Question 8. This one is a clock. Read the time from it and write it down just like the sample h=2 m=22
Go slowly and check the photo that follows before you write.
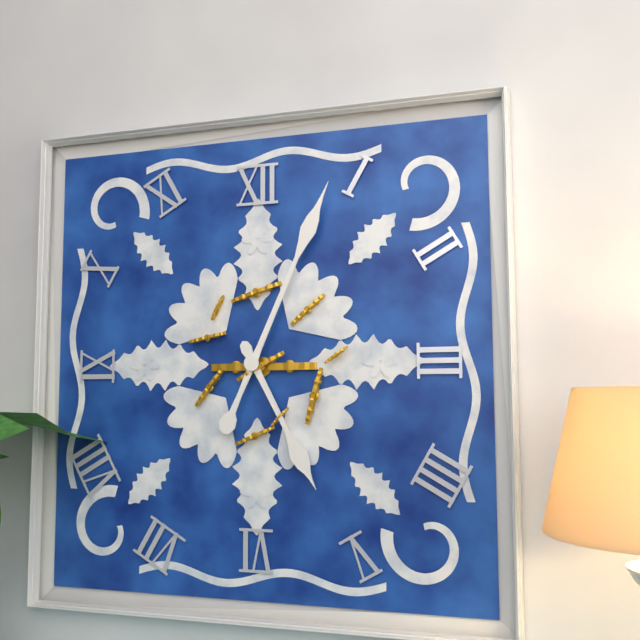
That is h=5 m=4
